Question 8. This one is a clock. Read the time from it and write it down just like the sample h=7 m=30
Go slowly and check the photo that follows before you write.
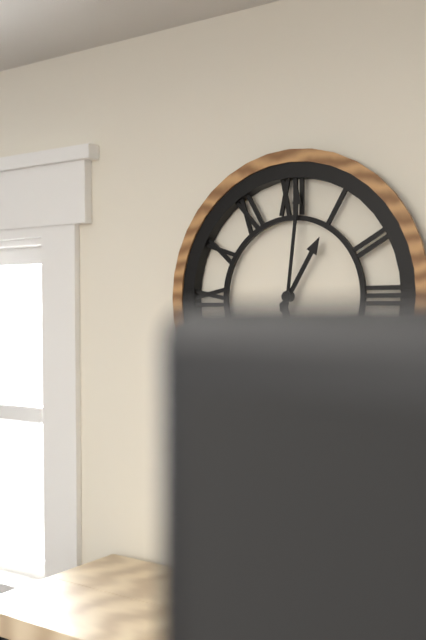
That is h=1 m=1
